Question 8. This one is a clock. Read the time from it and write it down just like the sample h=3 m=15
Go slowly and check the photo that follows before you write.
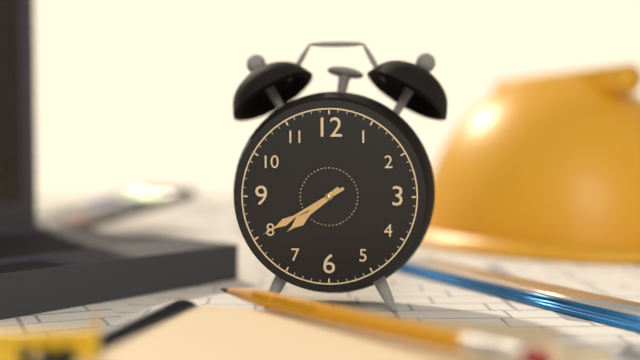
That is h=7 m=40
